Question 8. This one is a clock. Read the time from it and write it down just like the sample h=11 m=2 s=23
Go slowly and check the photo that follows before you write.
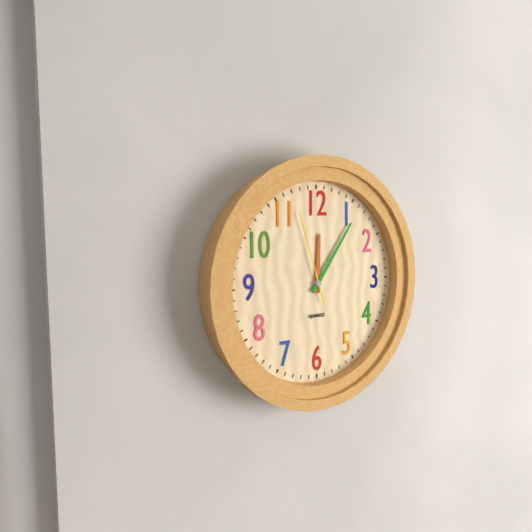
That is h=12 m=6 s=57
